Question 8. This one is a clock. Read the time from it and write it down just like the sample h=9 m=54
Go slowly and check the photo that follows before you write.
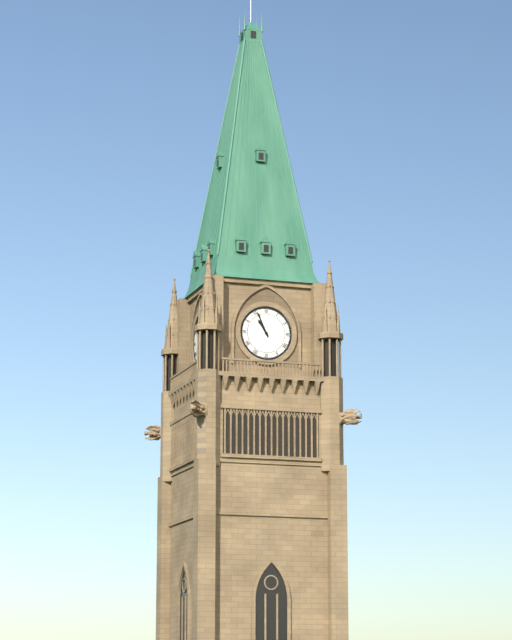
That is h=10 m=56
